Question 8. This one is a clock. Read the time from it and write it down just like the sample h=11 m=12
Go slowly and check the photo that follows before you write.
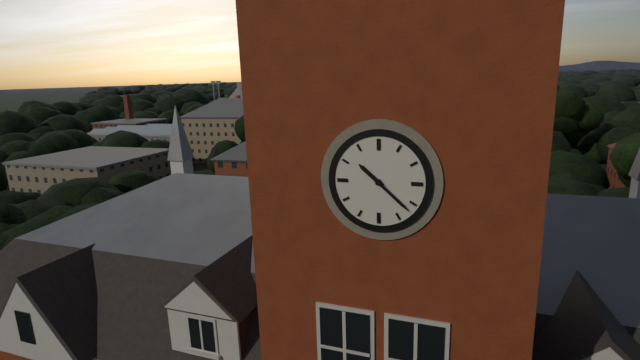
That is h=10 m=22
